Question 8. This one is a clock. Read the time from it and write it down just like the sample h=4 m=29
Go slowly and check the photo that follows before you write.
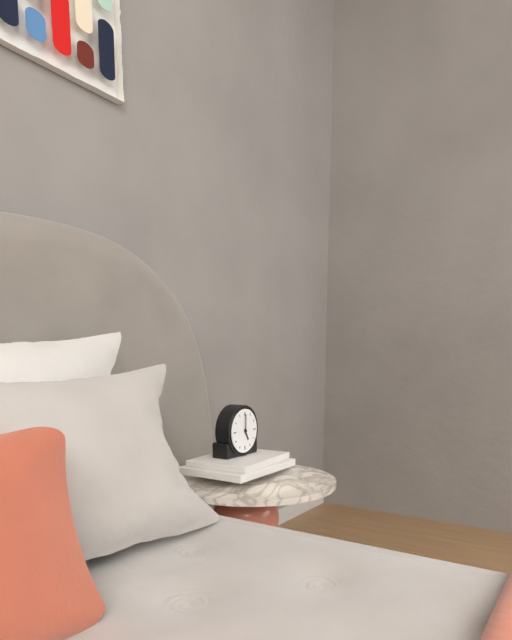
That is h=5 m=0
